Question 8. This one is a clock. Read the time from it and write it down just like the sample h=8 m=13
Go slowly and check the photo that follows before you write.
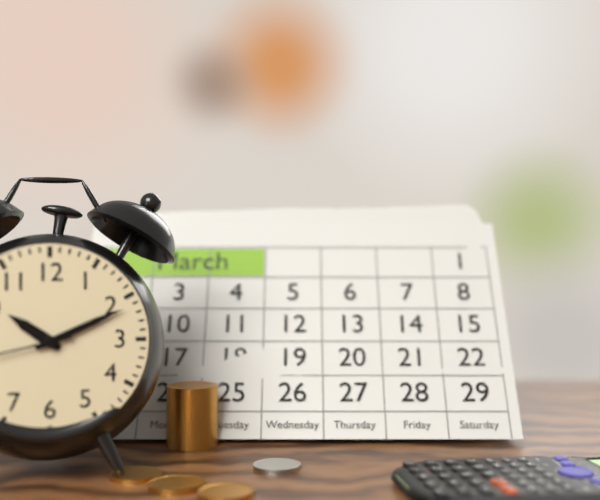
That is h=10 m=11
